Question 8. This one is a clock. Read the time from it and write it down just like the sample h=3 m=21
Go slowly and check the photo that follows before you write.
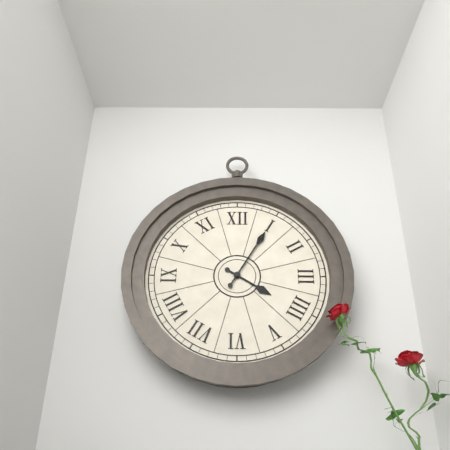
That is h=4 m=5
